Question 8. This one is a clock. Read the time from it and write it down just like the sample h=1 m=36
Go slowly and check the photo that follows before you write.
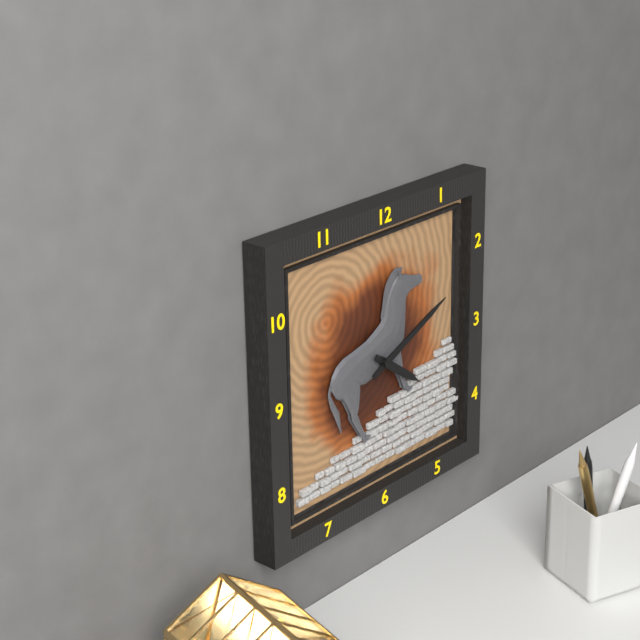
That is h=4 m=11
